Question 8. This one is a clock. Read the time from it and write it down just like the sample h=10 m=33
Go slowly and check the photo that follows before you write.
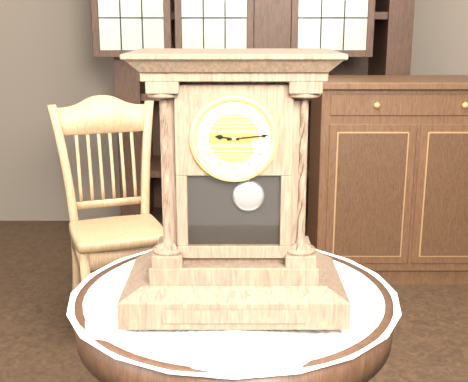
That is h=9 m=14
